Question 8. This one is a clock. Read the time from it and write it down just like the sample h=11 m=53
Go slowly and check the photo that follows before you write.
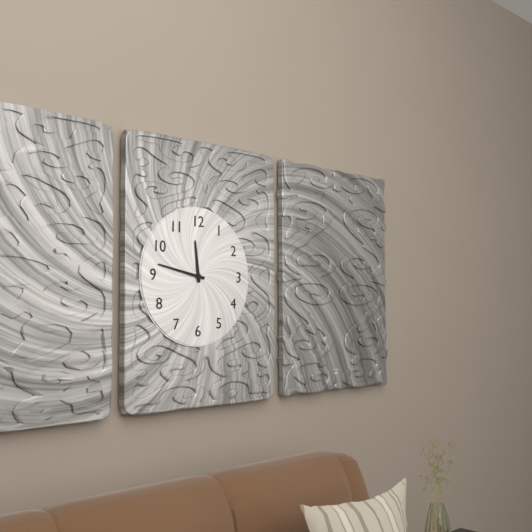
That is h=11 m=47
